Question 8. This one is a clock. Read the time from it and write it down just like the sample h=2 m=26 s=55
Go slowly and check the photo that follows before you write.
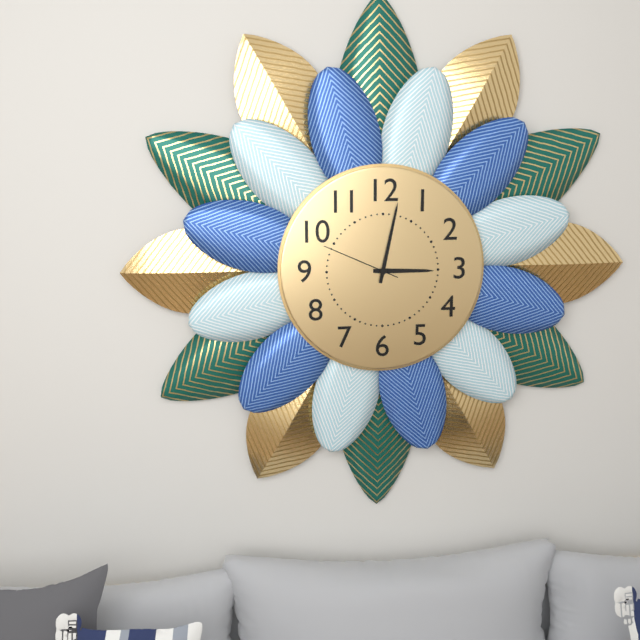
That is h=3 m=2 s=49
